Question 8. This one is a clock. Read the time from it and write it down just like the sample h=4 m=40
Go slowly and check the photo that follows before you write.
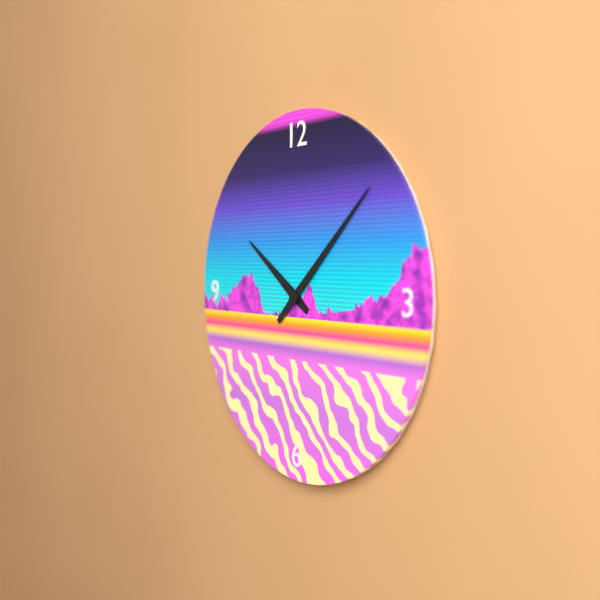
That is h=10 m=8
